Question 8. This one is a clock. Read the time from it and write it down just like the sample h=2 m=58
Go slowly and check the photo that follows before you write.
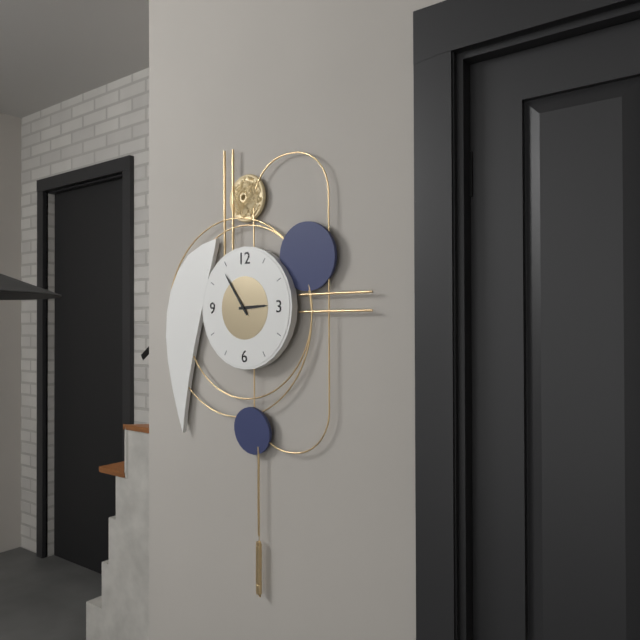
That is h=2 m=54
